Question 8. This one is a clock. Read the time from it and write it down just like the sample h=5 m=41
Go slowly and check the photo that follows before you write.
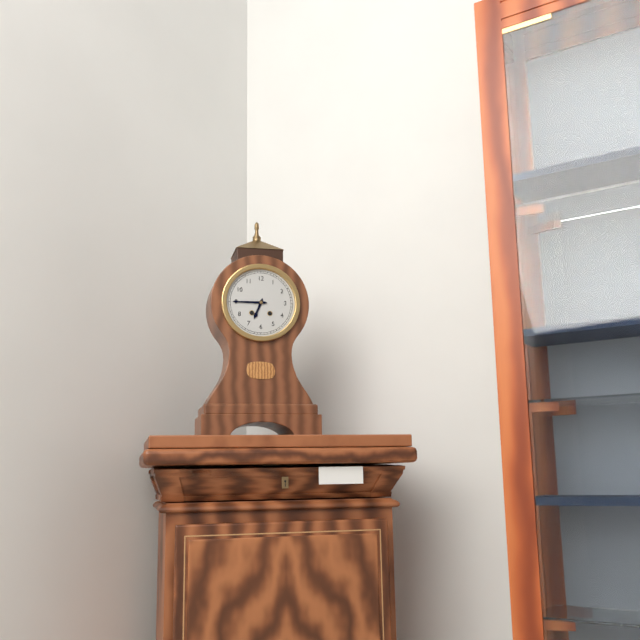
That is h=6 m=45
